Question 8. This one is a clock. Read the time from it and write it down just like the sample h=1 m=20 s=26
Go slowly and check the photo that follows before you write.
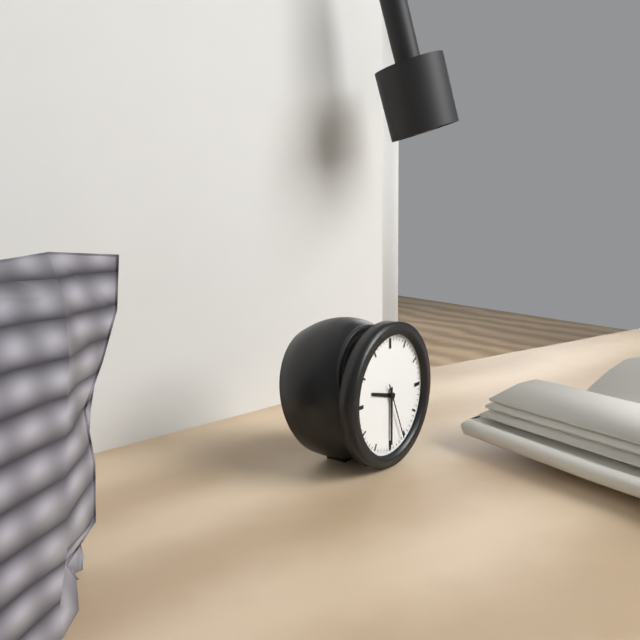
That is h=9 m=30 s=26
